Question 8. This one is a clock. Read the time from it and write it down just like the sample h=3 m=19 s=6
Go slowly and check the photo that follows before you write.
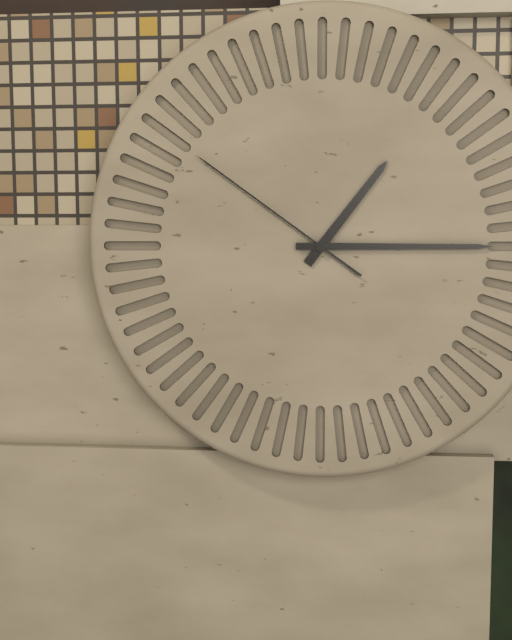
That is h=1 m=15 s=51
